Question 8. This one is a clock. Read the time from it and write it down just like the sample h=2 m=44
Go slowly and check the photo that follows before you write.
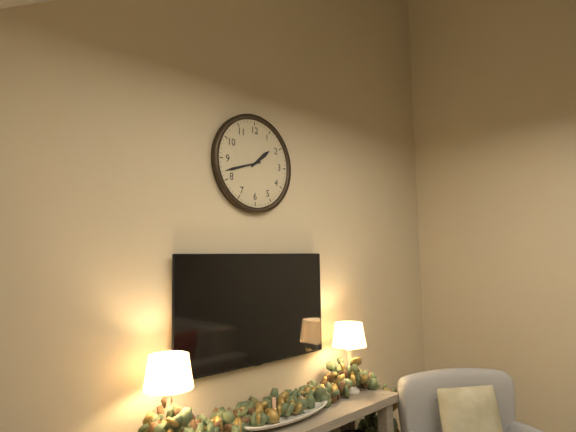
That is h=1 m=42
